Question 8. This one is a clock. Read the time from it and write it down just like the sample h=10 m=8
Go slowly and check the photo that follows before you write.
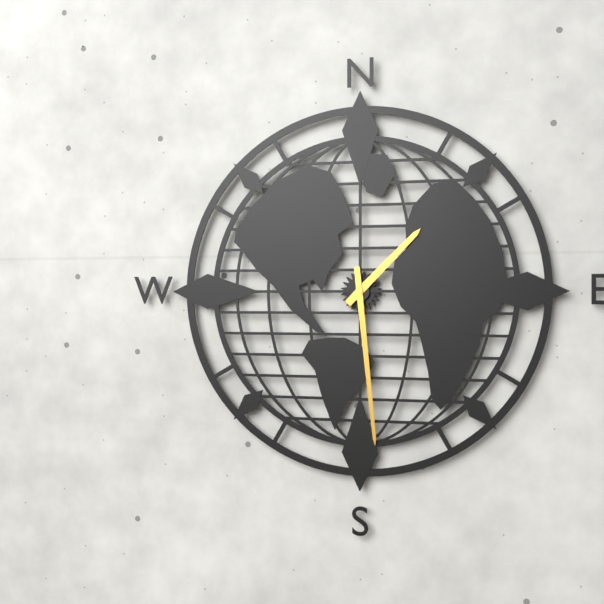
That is h=1 m=29
